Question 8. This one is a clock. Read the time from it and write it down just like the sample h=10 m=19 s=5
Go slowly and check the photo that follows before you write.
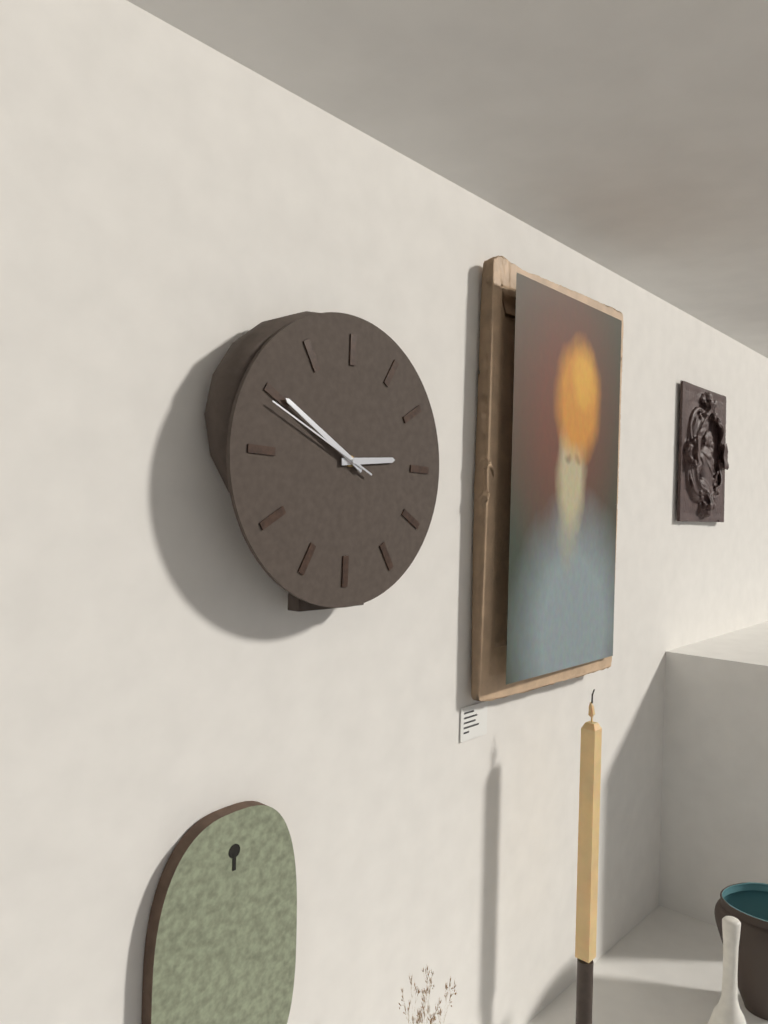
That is h=2 m=50 s=49
